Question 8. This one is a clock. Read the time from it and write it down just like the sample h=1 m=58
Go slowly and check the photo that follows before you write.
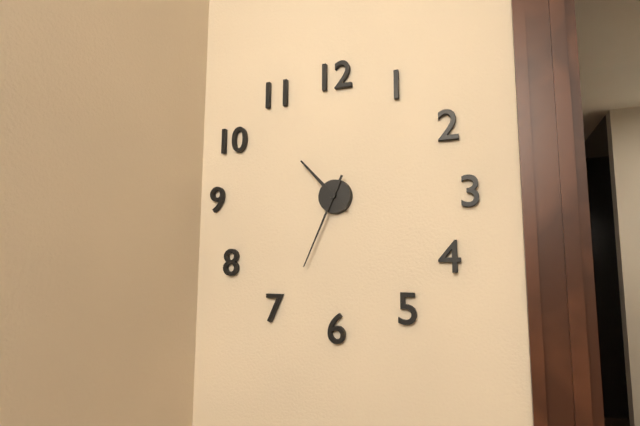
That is h=10 m=34
